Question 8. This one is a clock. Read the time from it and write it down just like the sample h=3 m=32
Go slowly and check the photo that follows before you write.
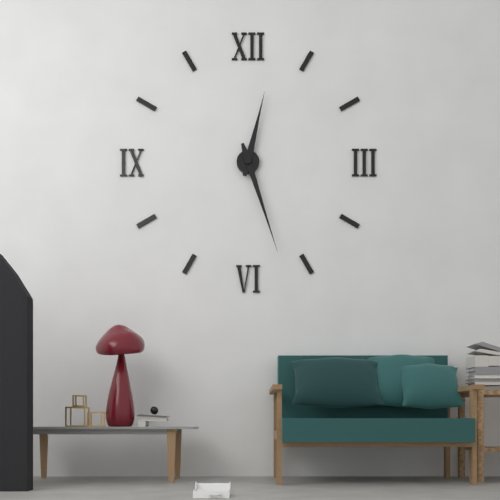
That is h=12 m=27
